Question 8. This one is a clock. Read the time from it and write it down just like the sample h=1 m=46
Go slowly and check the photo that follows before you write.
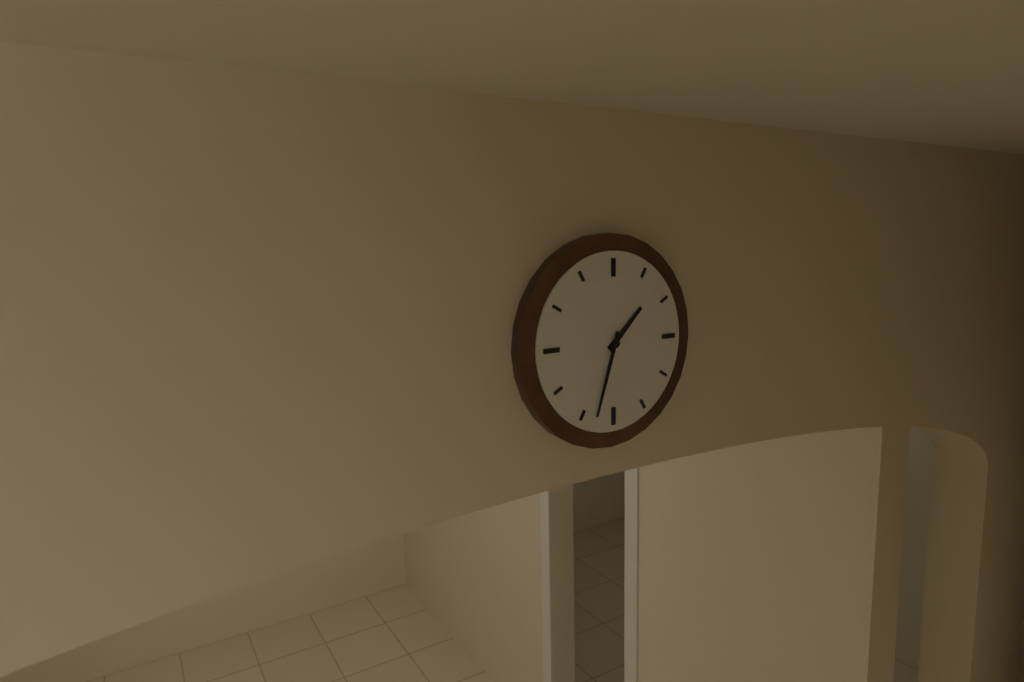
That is h=1 m=33
